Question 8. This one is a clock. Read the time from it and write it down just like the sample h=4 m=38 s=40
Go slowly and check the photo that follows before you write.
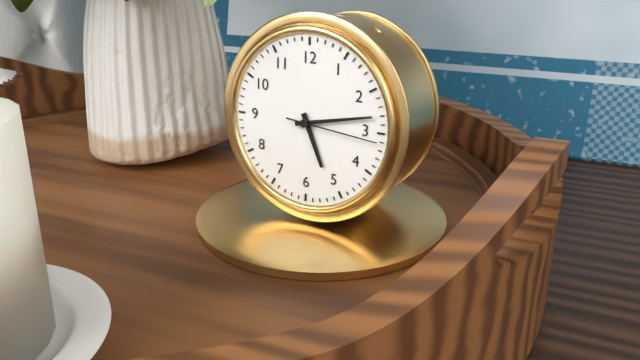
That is h=5 m=13 s=16
